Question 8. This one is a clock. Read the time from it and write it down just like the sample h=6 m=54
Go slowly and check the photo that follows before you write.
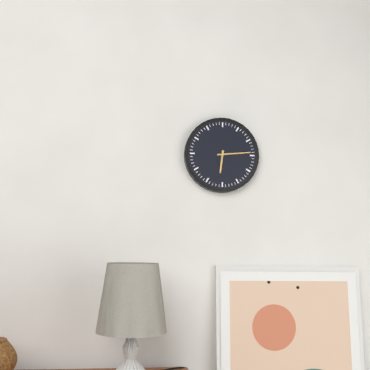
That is h=6 m=14
